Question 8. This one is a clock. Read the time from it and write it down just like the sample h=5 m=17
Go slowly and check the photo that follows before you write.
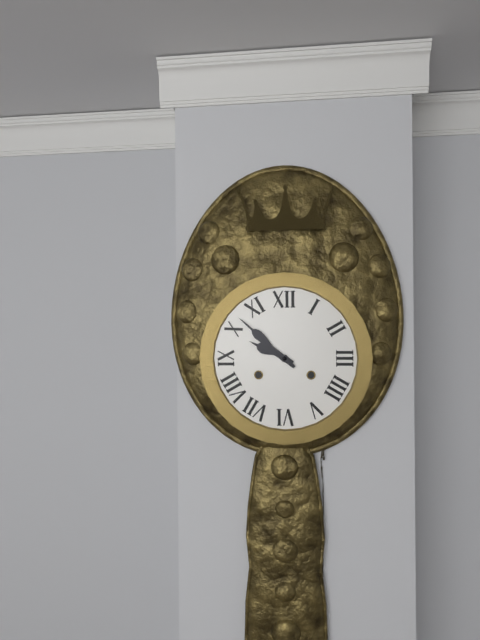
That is h=9 m=52
